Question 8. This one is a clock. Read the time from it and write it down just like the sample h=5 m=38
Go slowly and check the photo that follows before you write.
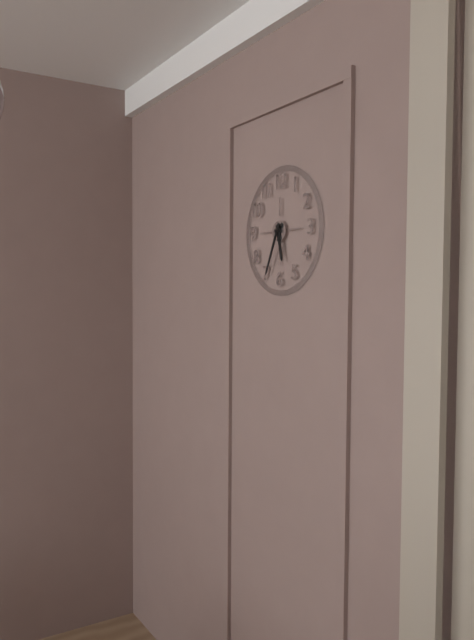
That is h=5 m=34
